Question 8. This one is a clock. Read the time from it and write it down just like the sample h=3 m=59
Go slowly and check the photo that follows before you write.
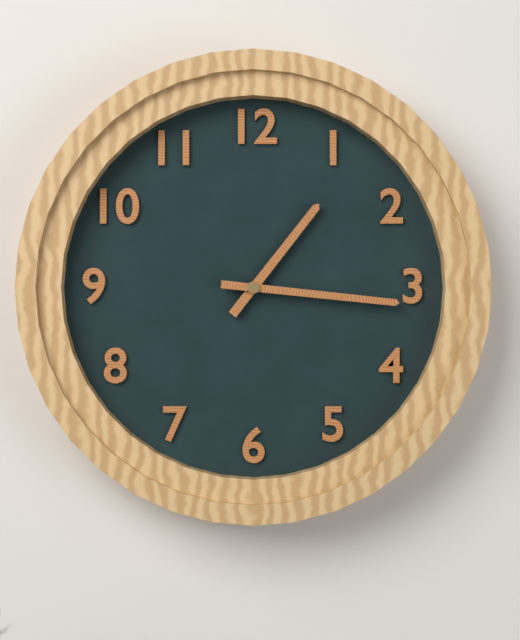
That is h=1 m=16
